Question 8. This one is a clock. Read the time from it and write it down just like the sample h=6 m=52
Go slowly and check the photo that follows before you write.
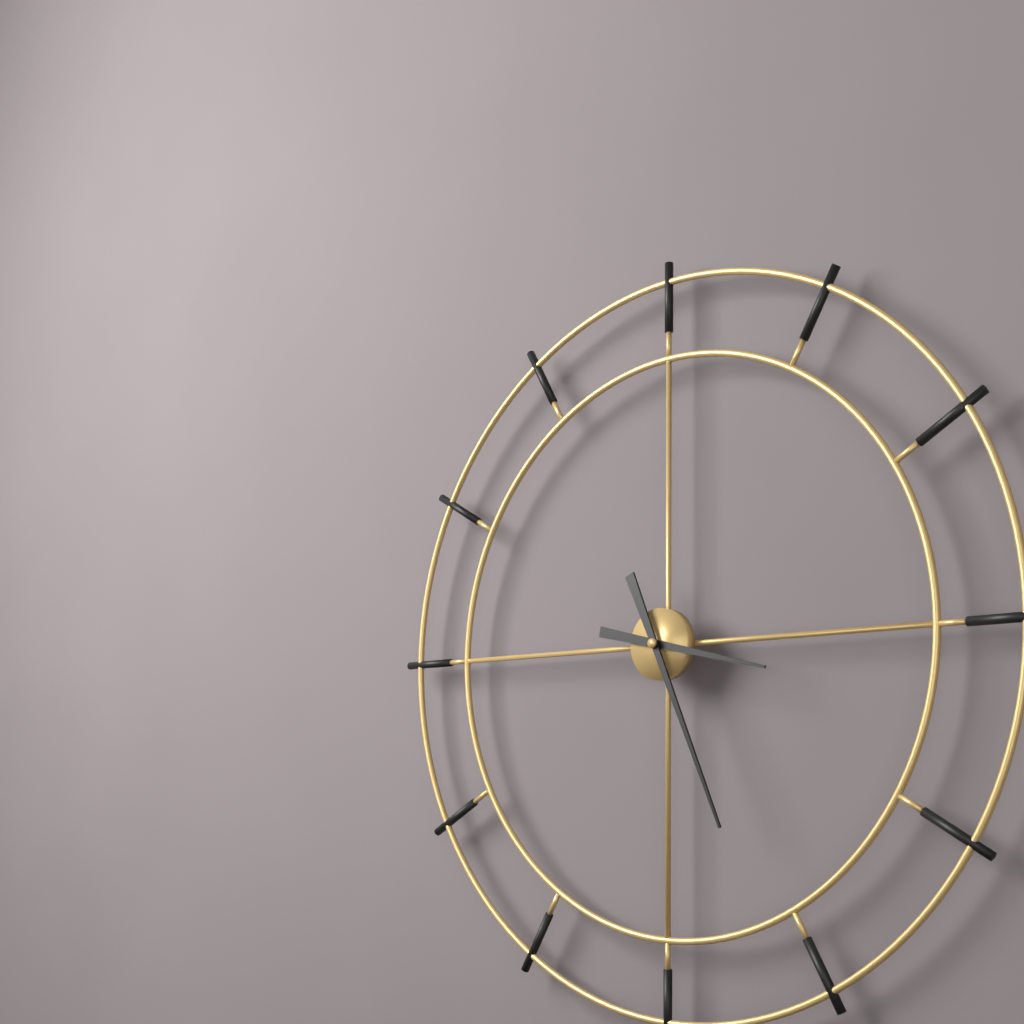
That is h=3 m=26
